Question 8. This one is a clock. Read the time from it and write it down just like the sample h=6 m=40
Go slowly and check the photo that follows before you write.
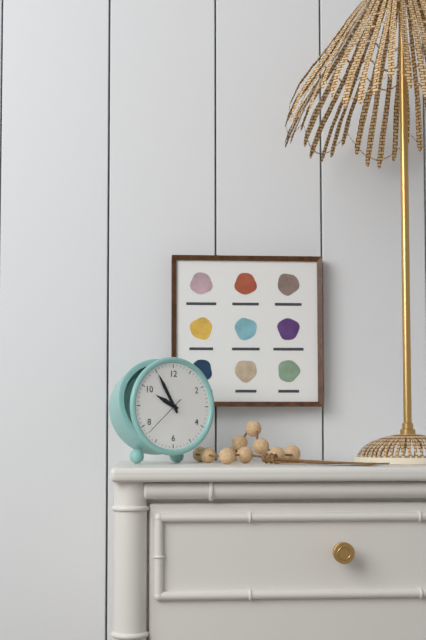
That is h=9 m=55
